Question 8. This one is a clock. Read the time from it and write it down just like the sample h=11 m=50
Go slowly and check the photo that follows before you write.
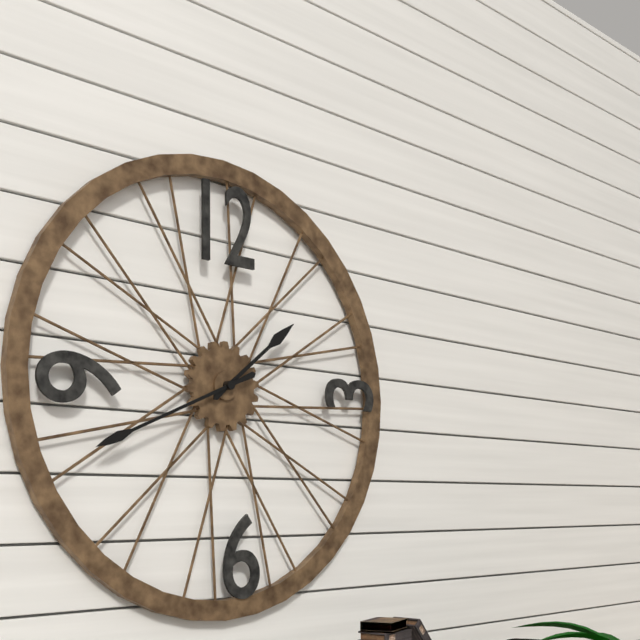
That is h=1 m=41
